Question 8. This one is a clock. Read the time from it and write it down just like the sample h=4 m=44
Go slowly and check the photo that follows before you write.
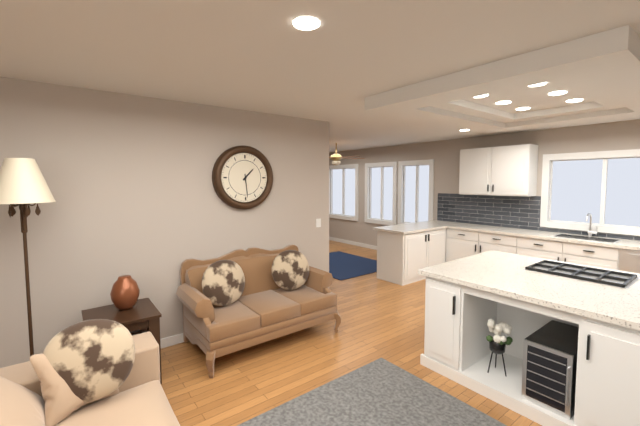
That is h=1 m=29
